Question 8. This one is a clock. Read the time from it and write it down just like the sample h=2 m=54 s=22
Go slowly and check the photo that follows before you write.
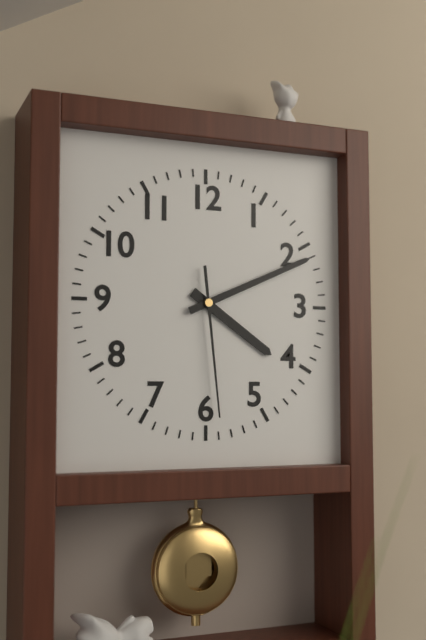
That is h=4 m=11 s=29
